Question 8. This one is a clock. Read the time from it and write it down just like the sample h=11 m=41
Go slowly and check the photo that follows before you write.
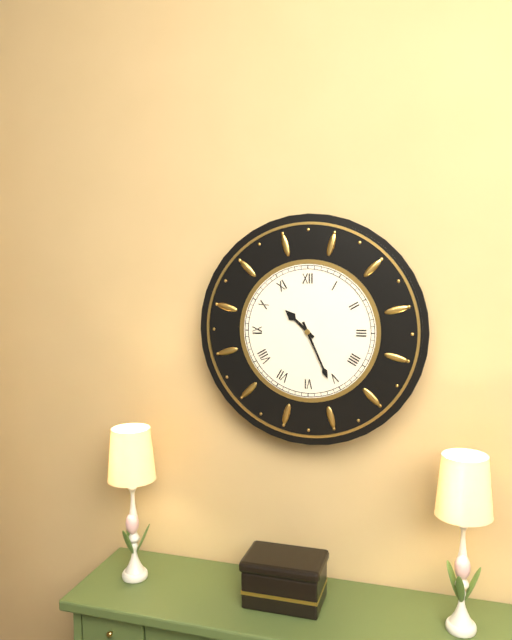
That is h=10 m=26
